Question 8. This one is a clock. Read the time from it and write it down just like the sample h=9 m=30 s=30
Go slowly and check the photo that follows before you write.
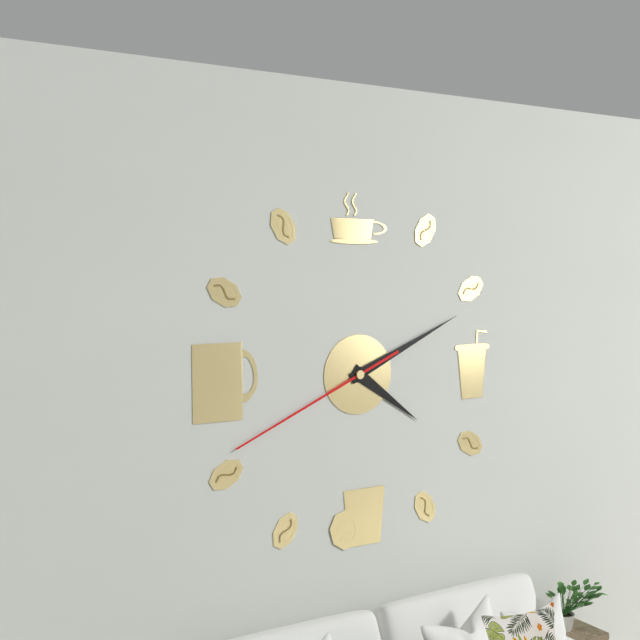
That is h=4 m=11 s=41
